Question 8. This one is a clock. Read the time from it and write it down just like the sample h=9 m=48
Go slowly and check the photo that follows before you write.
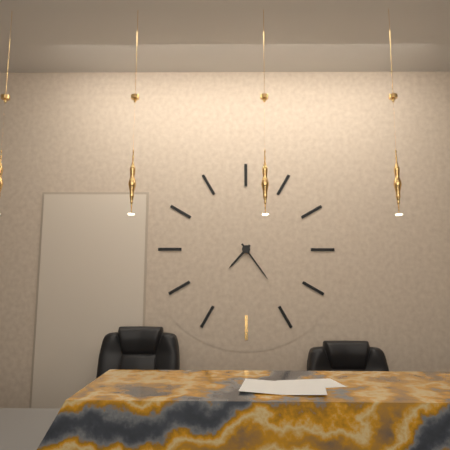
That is h=7 m=24
